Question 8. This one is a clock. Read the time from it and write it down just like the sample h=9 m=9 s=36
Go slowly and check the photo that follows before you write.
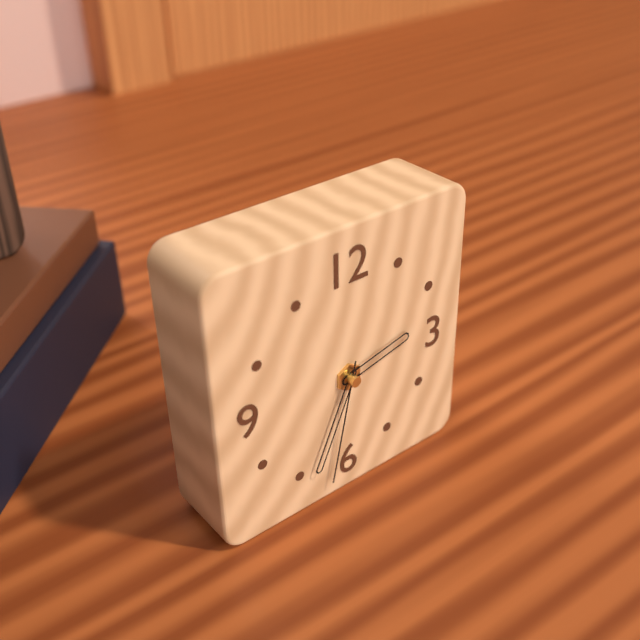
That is h=2 m=34 s=32
